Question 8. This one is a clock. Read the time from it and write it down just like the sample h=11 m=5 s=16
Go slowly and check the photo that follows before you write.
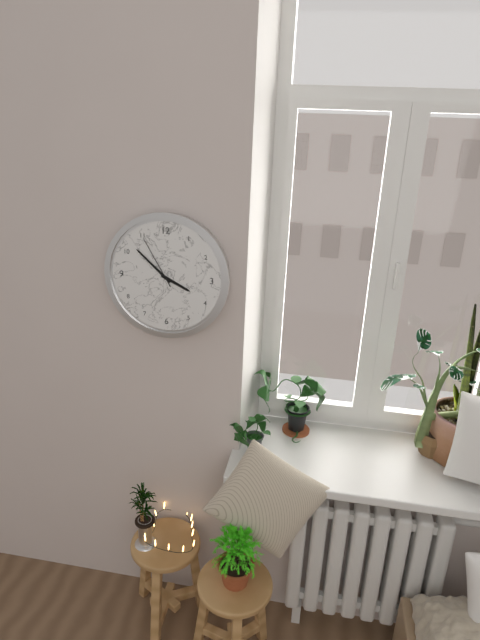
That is h=3 m=52 s=55
